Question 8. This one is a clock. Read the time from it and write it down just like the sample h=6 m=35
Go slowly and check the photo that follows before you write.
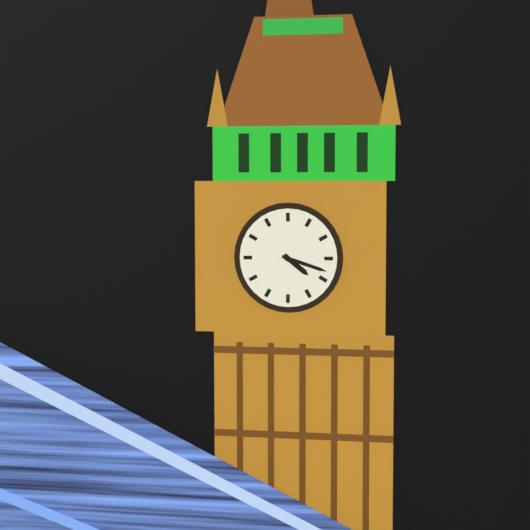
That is h=4 m=18
